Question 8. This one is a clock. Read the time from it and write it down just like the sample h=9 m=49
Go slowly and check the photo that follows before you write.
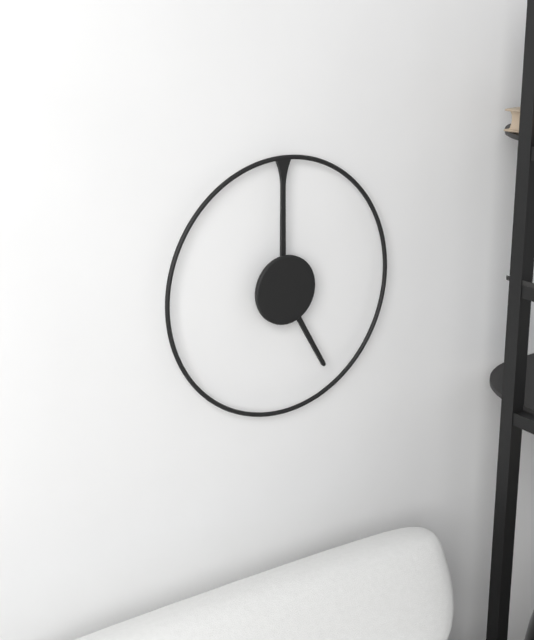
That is h=5 m=0
